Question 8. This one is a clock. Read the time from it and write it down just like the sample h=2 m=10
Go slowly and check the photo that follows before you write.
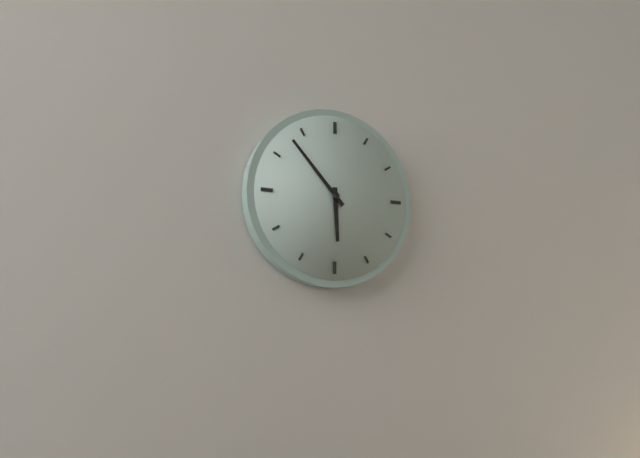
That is h=5 m=53
